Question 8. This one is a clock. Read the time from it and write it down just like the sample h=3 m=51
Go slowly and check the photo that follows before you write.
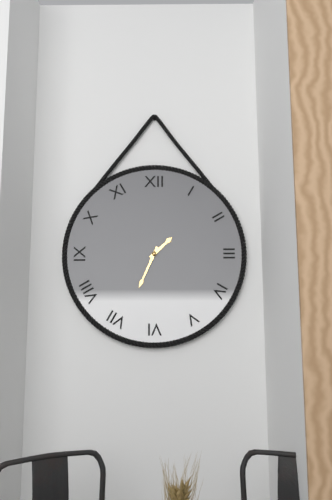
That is h=1 m=34
